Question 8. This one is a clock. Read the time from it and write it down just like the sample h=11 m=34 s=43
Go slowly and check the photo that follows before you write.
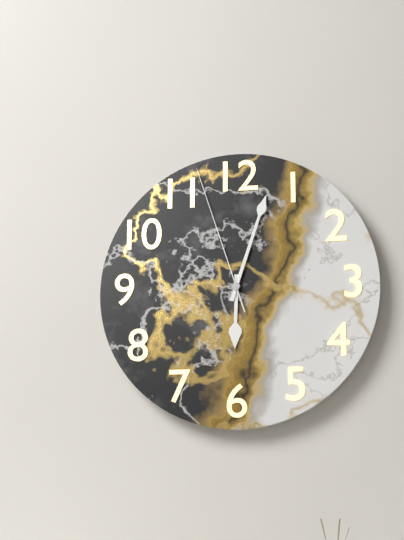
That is h=6 m=3 s=57
